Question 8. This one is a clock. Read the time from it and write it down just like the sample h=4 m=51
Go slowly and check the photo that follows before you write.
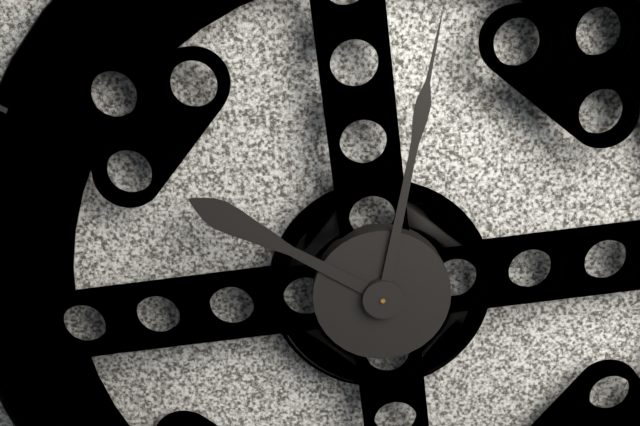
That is h=10 m=2
